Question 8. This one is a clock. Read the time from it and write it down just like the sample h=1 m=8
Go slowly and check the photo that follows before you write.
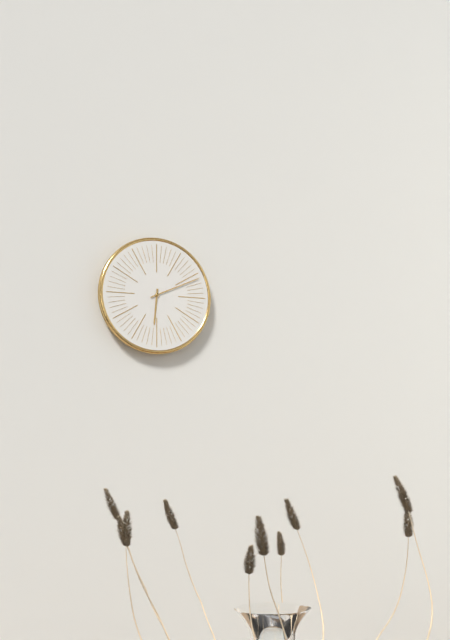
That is h=6 m=11
